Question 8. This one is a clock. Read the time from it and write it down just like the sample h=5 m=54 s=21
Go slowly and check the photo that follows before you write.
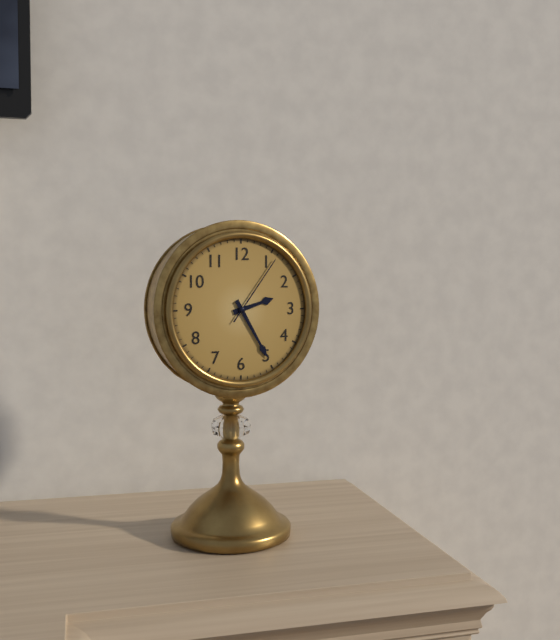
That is h=2 m=25 s=6
